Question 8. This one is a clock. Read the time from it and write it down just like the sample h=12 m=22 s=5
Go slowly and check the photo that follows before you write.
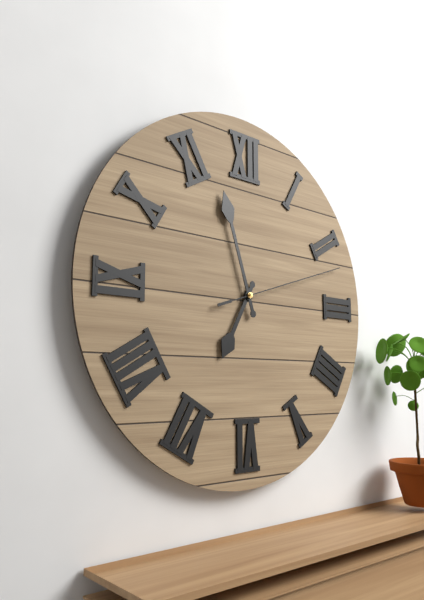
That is h=6 m=57 s=12
